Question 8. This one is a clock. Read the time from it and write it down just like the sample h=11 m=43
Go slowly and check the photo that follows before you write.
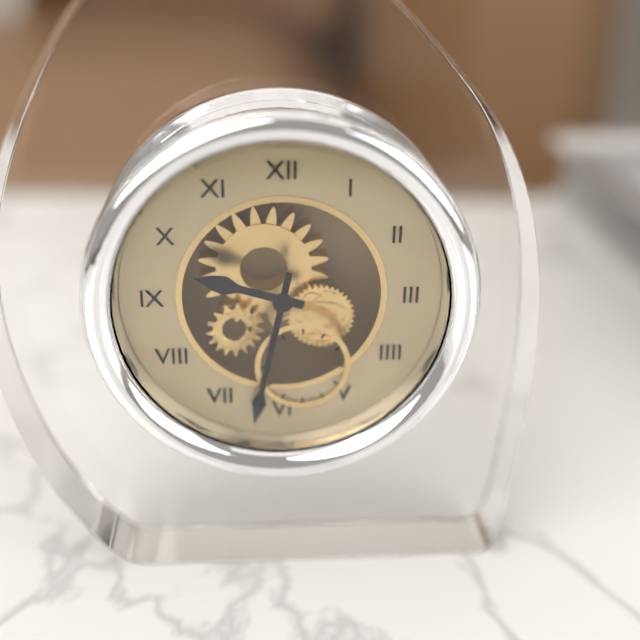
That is h=9 m=32
